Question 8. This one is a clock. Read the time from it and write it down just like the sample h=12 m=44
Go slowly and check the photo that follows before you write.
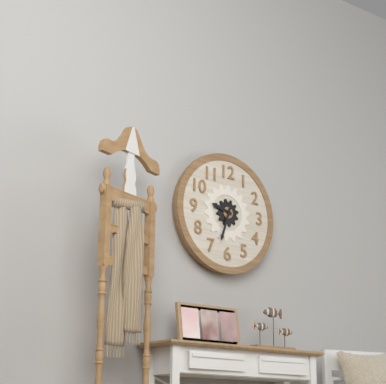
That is h=9 m=33
